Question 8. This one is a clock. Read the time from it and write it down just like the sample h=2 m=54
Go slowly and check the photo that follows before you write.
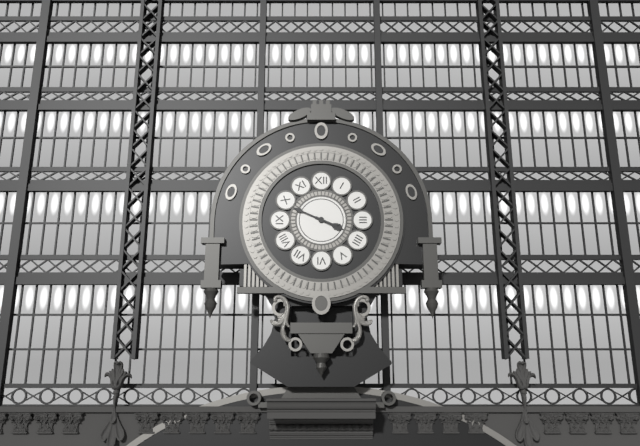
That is h=3 m=49
